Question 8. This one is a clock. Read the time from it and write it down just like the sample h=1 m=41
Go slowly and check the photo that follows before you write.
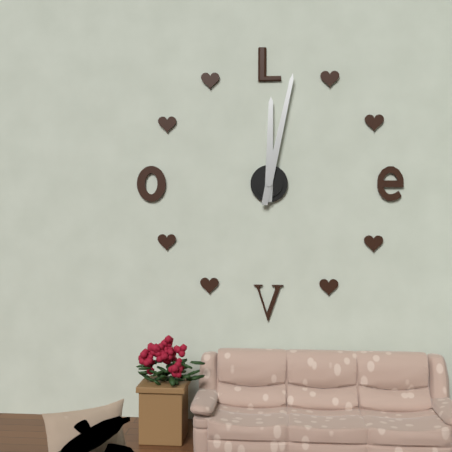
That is h=12 m=2
